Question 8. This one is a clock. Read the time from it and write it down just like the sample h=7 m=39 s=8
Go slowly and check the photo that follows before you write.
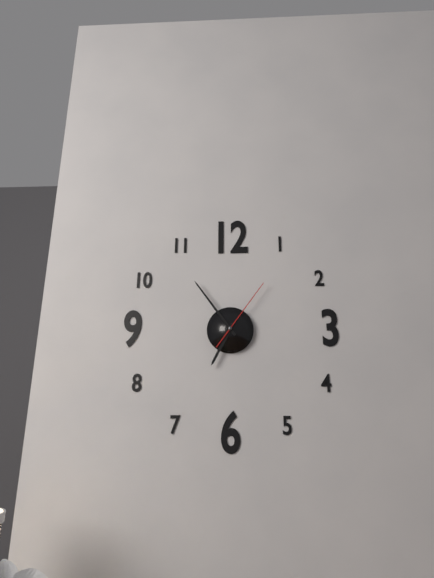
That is h=6 m=54 s=6
